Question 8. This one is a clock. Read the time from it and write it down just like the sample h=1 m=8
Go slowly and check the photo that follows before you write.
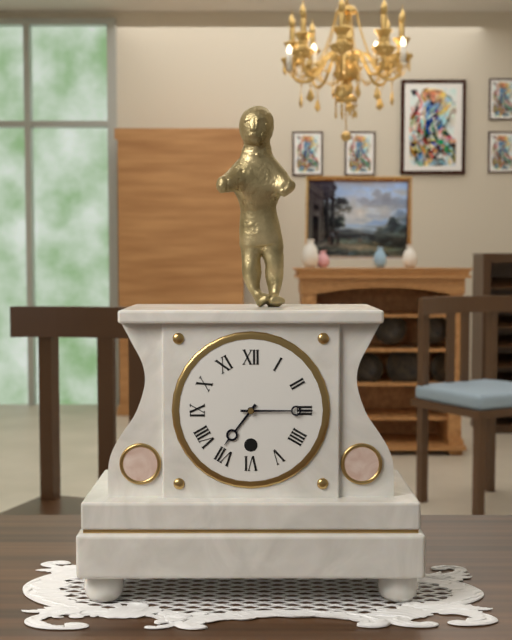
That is h=7 m=15
